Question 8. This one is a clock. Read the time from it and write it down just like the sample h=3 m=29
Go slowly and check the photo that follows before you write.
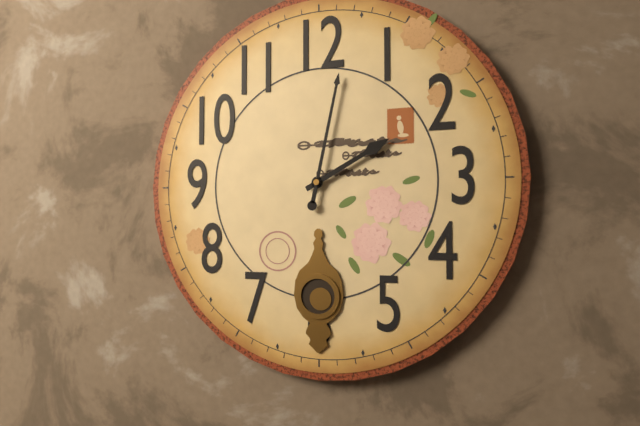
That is h=2 m=2
